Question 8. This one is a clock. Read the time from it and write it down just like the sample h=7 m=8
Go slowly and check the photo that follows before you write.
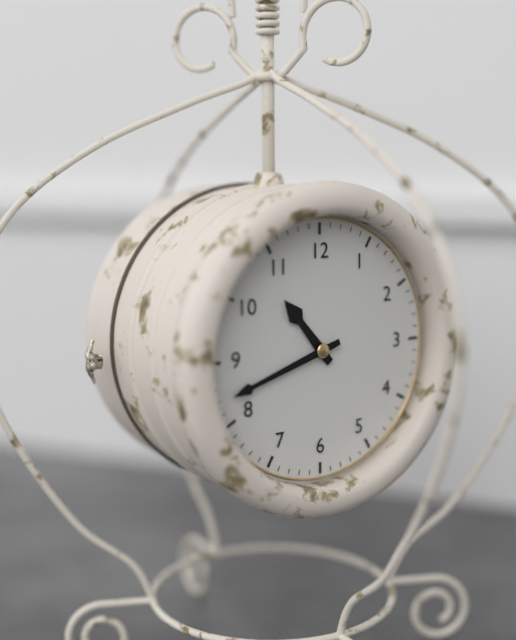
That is h=10 m=42
